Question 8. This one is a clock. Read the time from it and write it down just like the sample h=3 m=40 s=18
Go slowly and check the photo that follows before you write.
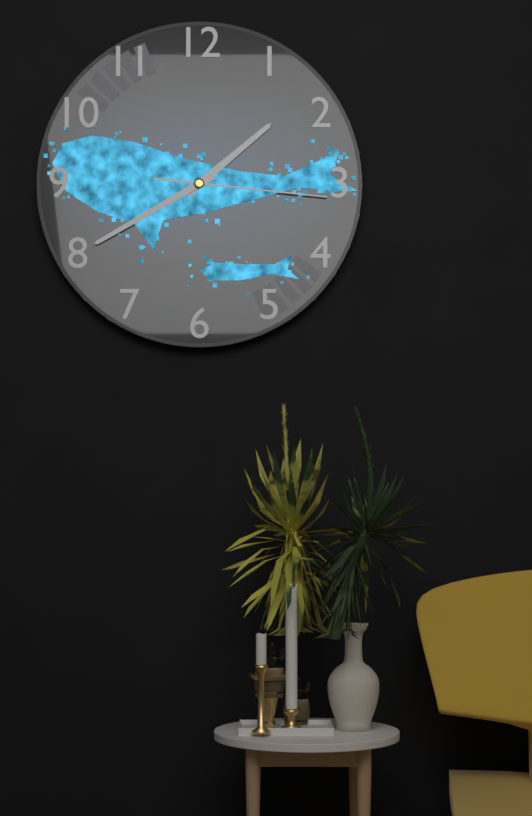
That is h=1 m=40 s=16
